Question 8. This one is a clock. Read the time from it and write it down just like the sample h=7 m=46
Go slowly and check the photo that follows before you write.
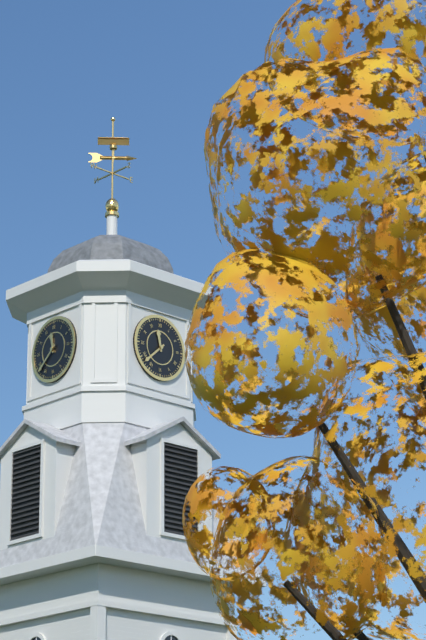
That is h=11 m=38
